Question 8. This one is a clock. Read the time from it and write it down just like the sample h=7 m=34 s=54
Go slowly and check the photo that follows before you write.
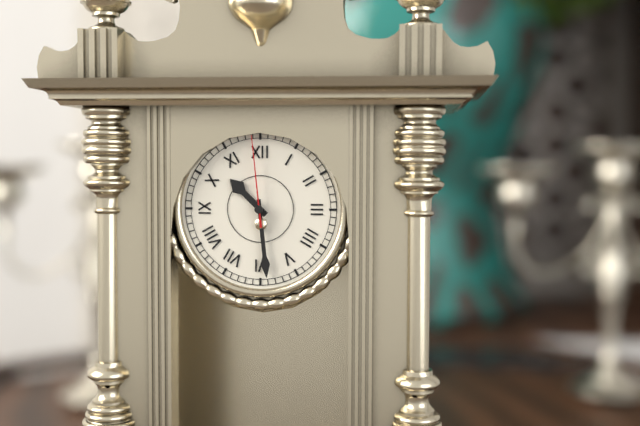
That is h=10 m=29 s=59
